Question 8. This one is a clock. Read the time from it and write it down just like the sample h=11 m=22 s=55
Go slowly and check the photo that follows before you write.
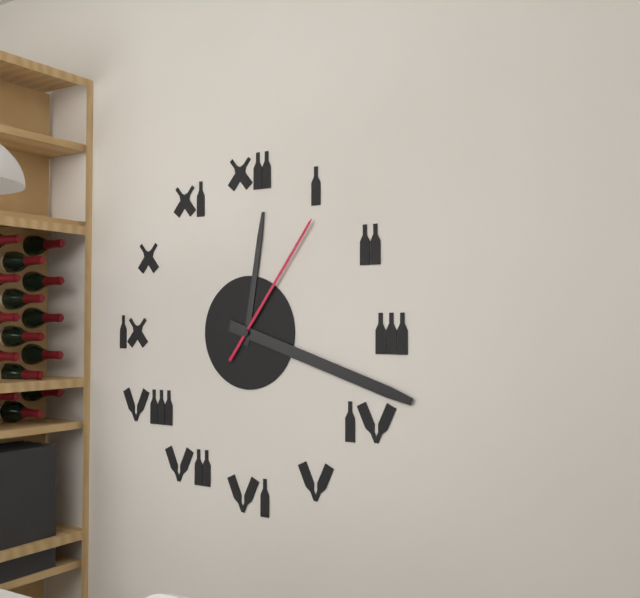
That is h=12 m=18 s=6
